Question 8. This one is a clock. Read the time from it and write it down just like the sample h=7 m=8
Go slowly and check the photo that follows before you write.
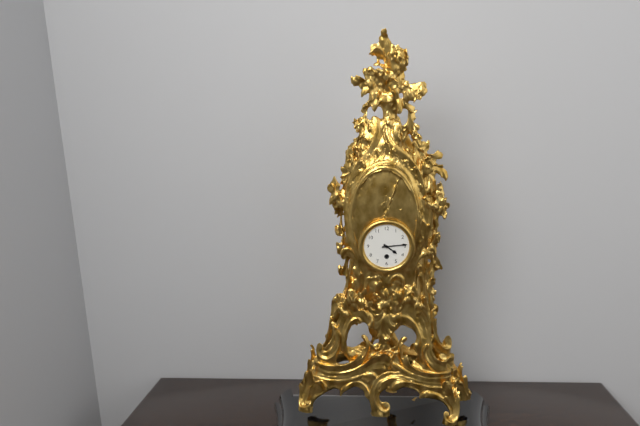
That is h=4 m=14
